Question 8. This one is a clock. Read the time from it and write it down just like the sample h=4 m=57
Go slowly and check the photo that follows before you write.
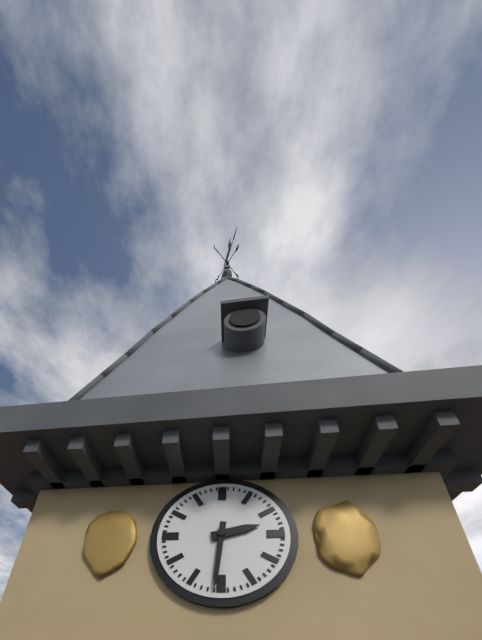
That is h=2 m=31
